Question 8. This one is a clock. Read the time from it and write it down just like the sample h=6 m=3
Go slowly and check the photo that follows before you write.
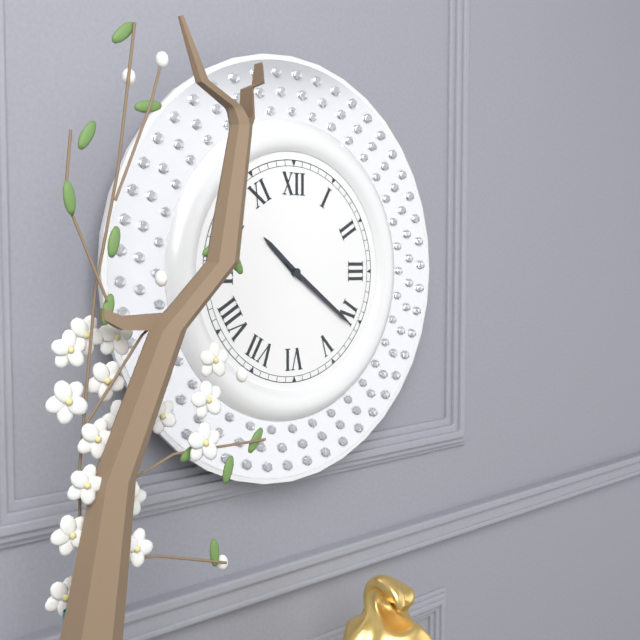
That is h=10 m=21
